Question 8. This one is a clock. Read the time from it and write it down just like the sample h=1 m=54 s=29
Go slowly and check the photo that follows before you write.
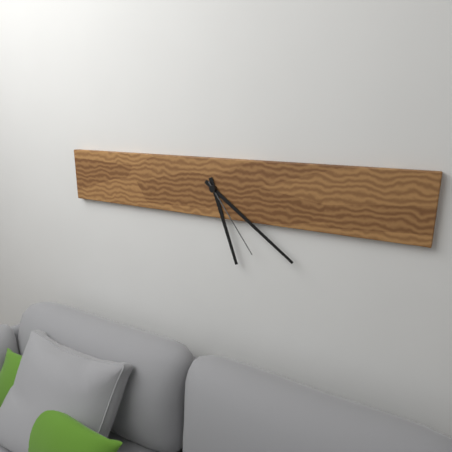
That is h=5 m=21 s=24
